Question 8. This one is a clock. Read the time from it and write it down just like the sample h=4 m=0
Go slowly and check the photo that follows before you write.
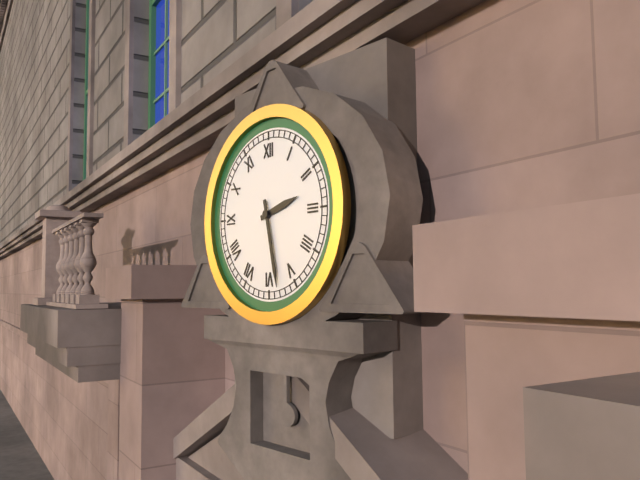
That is h=2 m=28
